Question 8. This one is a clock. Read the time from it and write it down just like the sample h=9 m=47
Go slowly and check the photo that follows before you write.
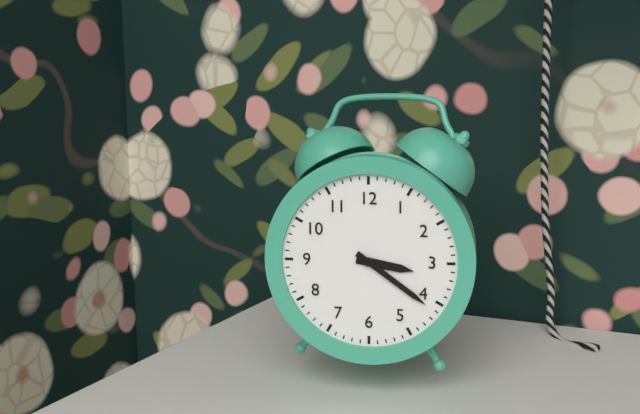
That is h=3 m=21
